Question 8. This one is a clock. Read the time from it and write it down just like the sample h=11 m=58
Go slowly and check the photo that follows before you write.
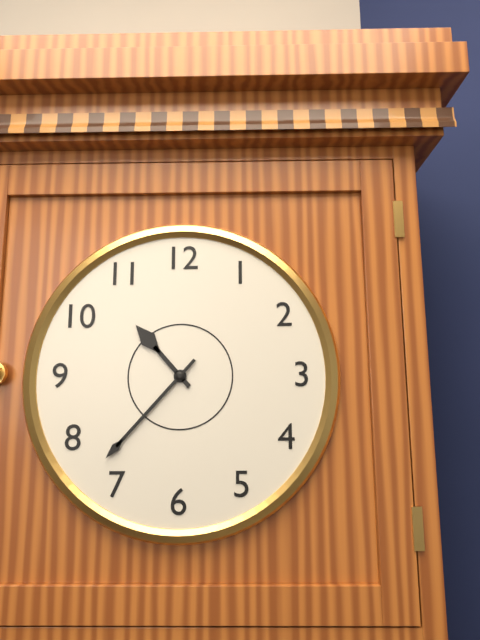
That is h=10 m=37
